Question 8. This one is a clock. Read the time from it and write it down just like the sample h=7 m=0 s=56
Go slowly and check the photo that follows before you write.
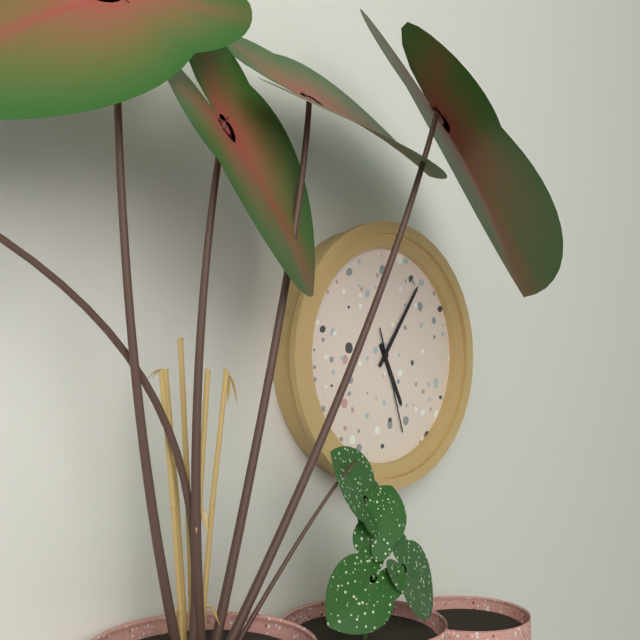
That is h=5 m=6 s=27
